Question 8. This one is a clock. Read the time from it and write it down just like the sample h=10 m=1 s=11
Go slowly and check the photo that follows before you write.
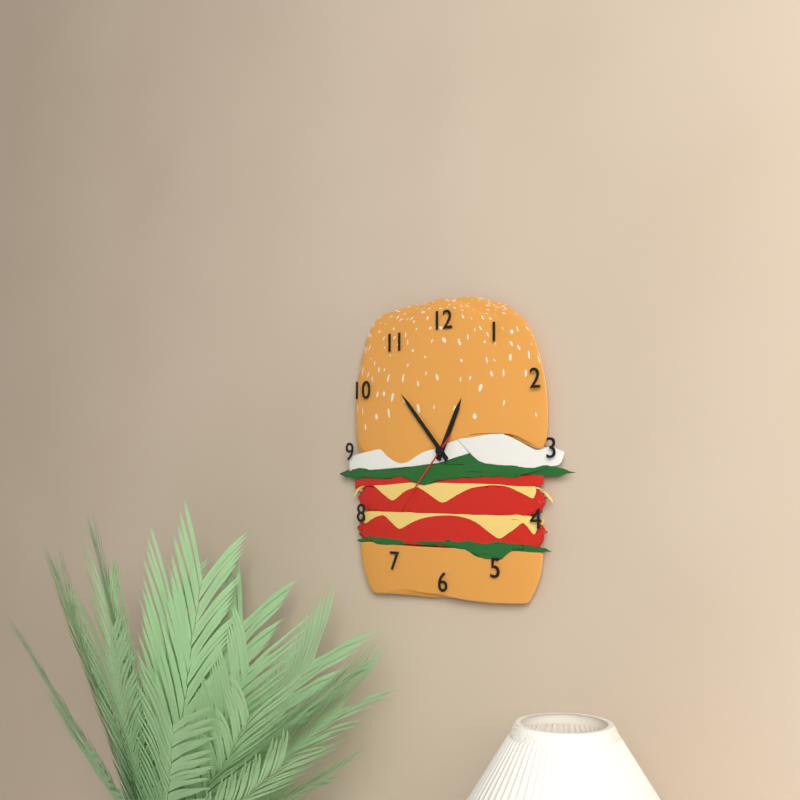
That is h=12 m=53 s=37
